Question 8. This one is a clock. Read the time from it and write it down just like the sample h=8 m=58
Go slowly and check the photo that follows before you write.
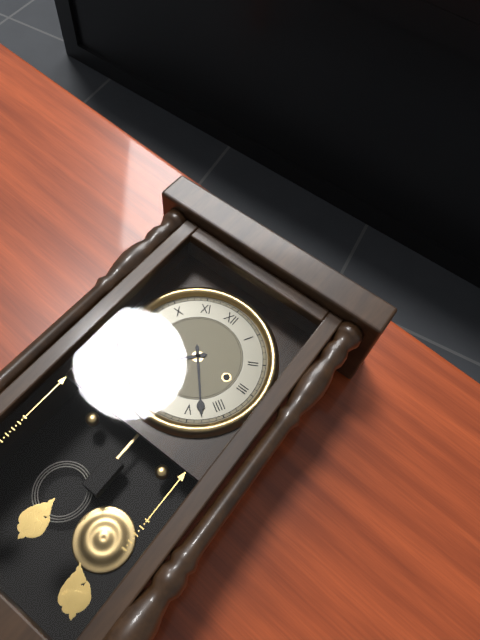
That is h=7 m=23
